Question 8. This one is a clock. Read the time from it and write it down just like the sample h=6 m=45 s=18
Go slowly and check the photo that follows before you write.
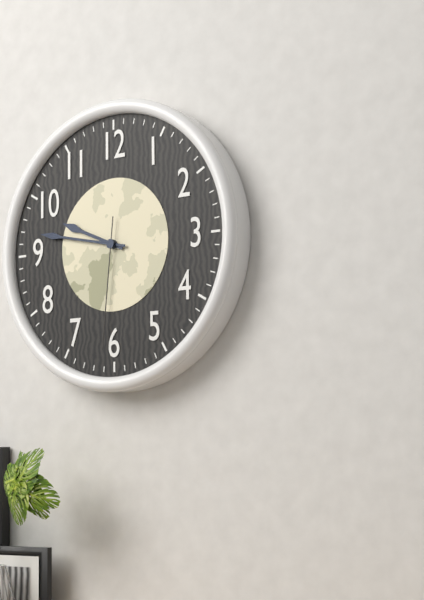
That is h=9 m=47 s=31
